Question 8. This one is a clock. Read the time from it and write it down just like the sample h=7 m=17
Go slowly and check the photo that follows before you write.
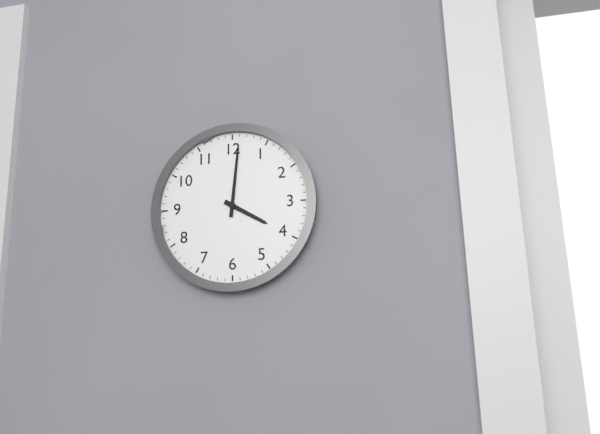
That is h=4 m=1
